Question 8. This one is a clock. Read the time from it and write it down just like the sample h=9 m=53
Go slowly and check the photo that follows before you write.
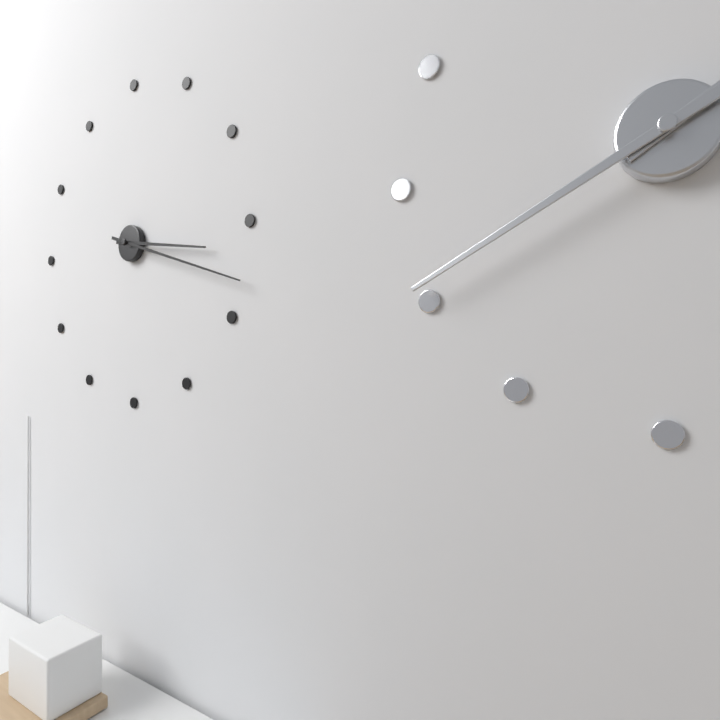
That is h=3 m=18
